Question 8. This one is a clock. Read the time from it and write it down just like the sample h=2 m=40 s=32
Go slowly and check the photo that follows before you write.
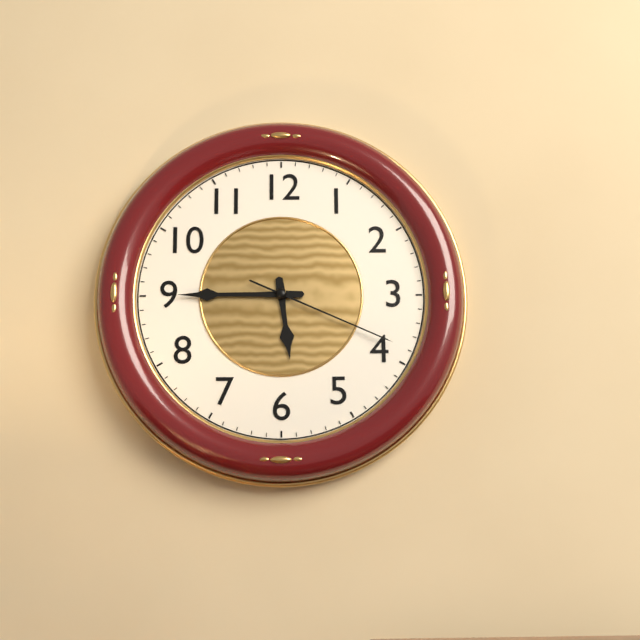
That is h=5 m=45 s=19
